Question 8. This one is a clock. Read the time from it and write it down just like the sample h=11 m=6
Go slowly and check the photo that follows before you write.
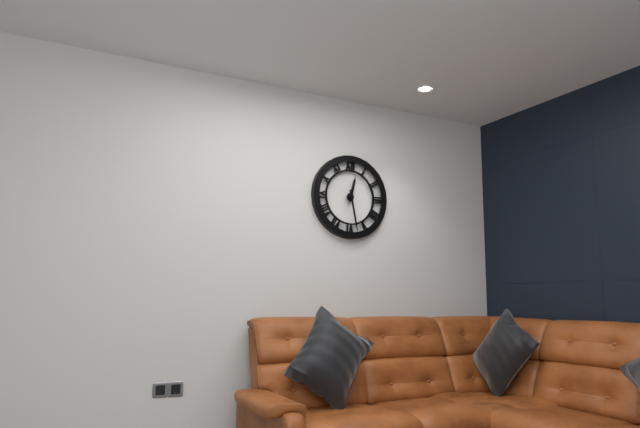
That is h=12 m=28
